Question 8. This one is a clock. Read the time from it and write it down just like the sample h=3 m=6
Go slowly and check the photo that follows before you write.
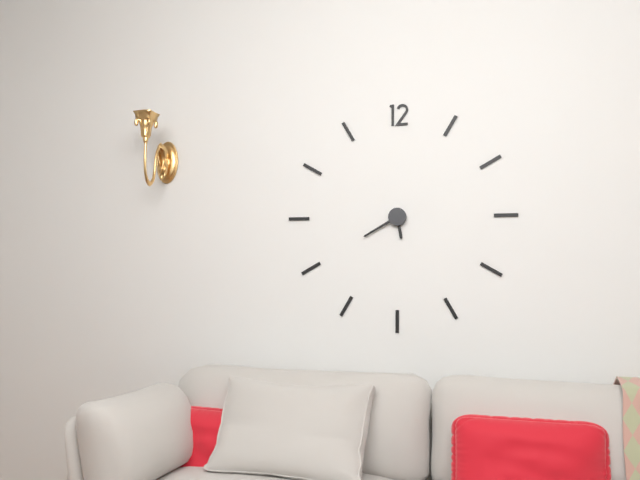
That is h=5 m=40
